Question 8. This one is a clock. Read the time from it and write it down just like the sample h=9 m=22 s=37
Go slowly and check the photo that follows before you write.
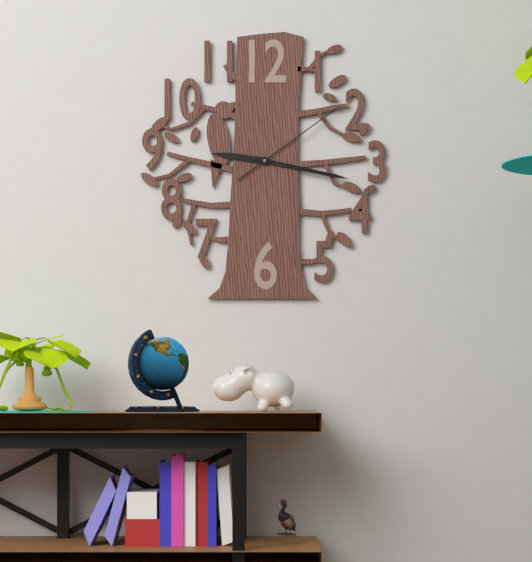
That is h=9 m=17 s=9
